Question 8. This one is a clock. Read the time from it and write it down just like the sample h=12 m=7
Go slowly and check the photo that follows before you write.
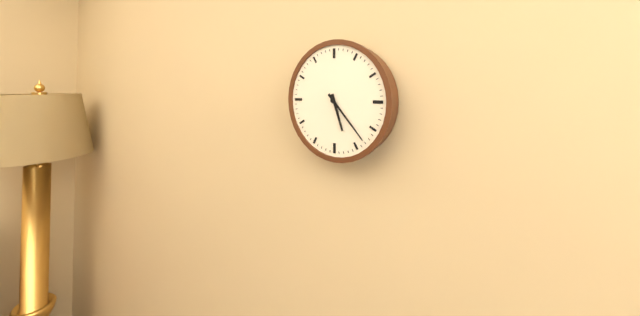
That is h=5 m=23
